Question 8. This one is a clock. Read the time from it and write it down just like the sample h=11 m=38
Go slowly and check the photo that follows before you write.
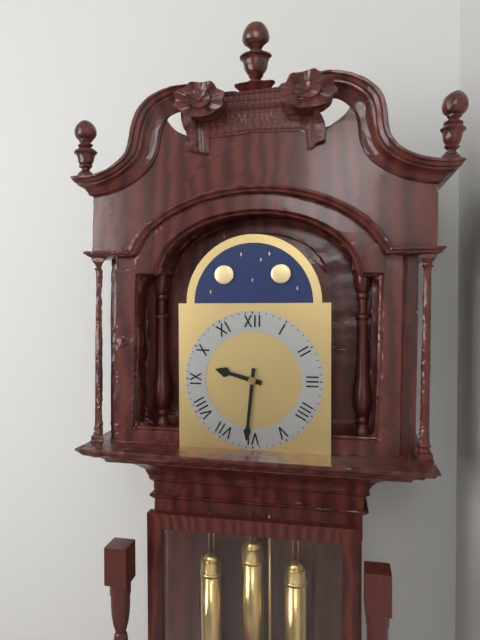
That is h=9 m=31
